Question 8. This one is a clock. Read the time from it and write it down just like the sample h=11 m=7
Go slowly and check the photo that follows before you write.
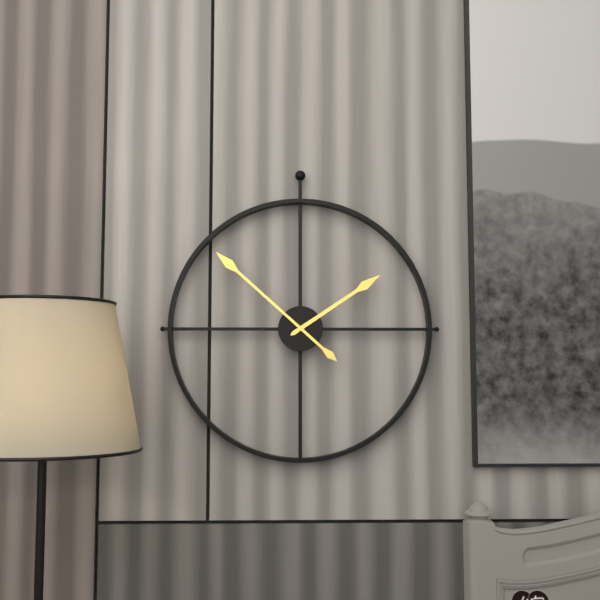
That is h=1 m=52
